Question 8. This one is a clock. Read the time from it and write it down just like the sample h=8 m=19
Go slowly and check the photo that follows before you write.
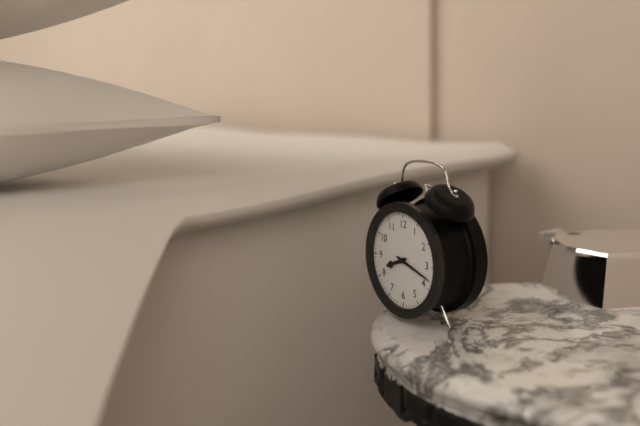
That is h=8 m=18
